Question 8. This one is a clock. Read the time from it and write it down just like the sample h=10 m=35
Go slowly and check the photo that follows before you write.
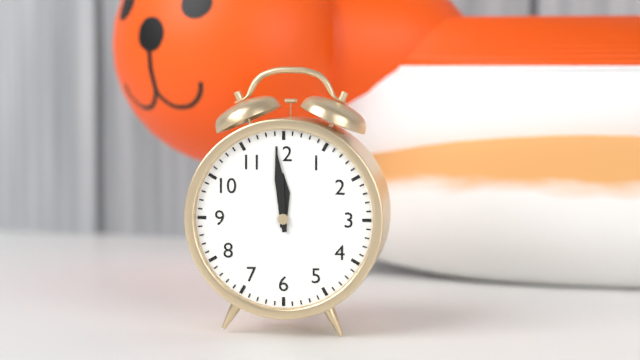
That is h=11 m=59
